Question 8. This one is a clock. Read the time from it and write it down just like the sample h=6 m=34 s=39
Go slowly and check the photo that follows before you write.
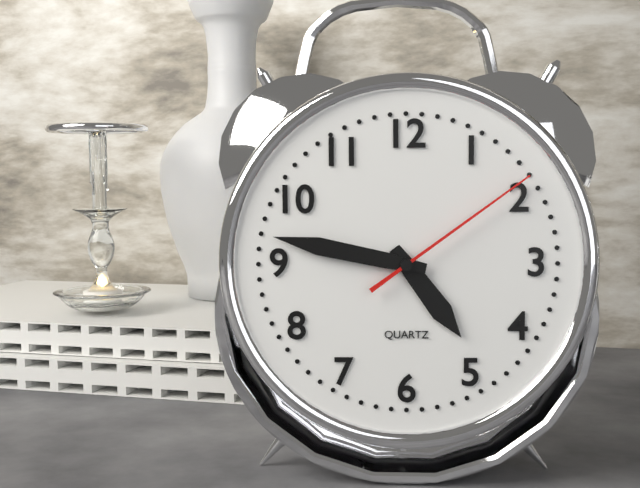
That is h=4 m=47 s=9
